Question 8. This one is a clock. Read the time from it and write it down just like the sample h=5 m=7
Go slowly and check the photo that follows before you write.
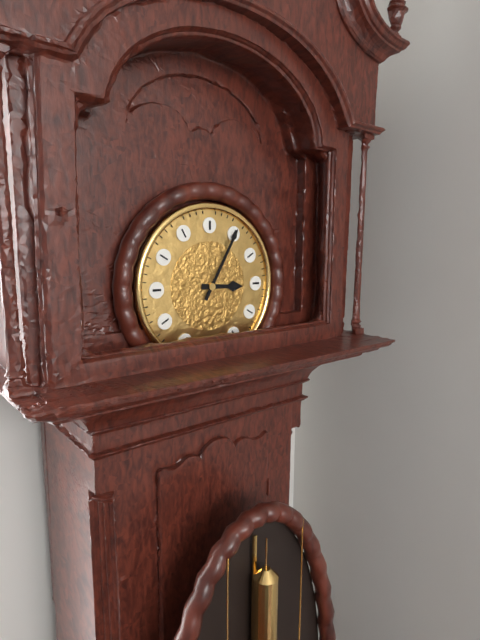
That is h=3 m=5
